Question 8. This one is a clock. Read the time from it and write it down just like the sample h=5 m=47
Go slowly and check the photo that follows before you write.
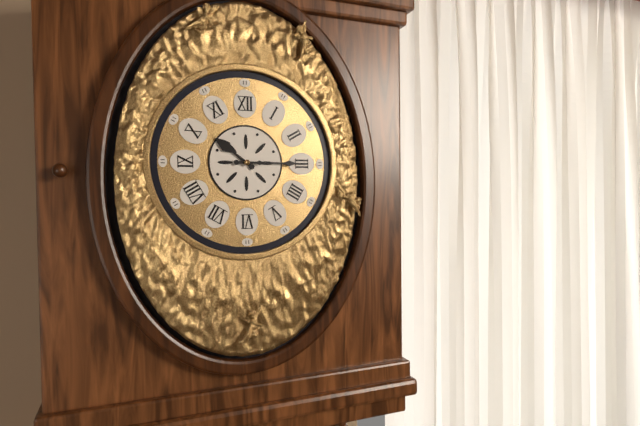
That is h=10 m=15
